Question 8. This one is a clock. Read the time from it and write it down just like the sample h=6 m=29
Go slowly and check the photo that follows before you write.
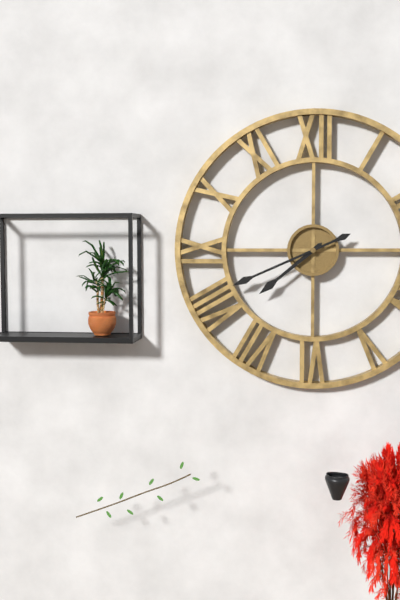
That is h=7 m=41
